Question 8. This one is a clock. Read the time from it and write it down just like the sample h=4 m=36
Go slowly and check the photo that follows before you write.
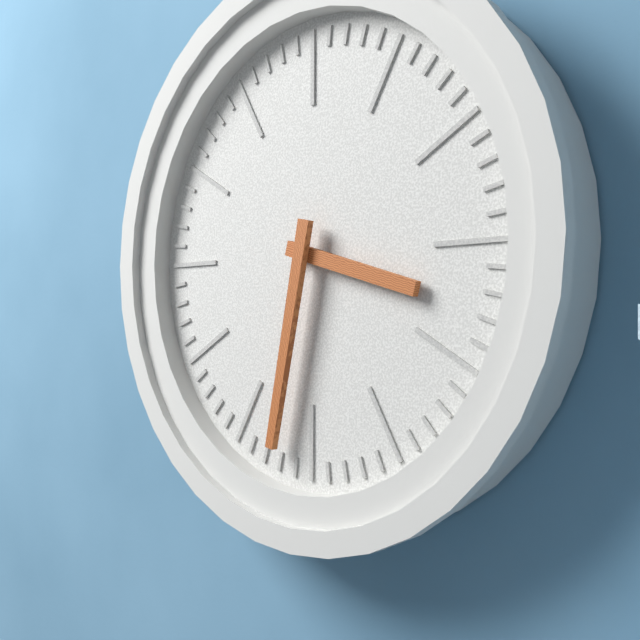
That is h=3 m=32
